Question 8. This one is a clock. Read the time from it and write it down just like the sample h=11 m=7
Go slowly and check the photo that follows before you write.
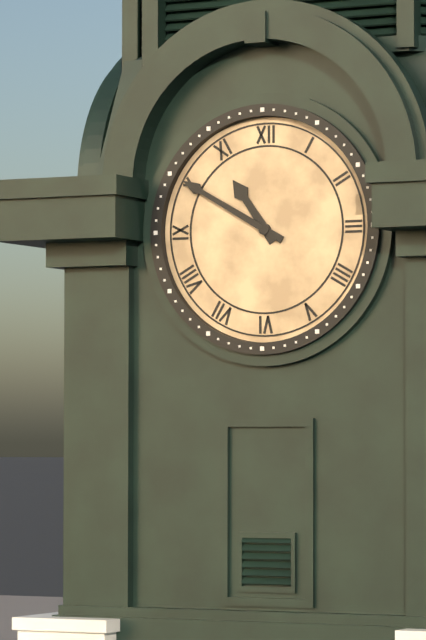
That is h=10 m=50
